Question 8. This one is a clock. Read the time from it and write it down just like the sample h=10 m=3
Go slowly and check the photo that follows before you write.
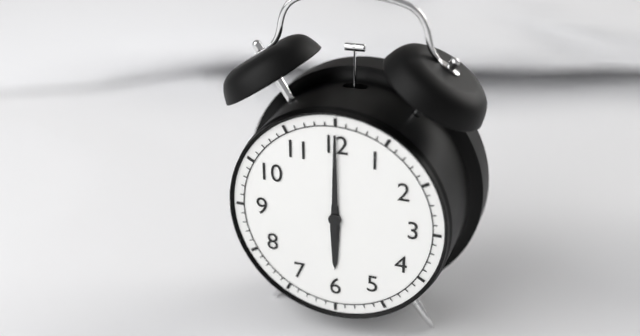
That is h=6 m=0
